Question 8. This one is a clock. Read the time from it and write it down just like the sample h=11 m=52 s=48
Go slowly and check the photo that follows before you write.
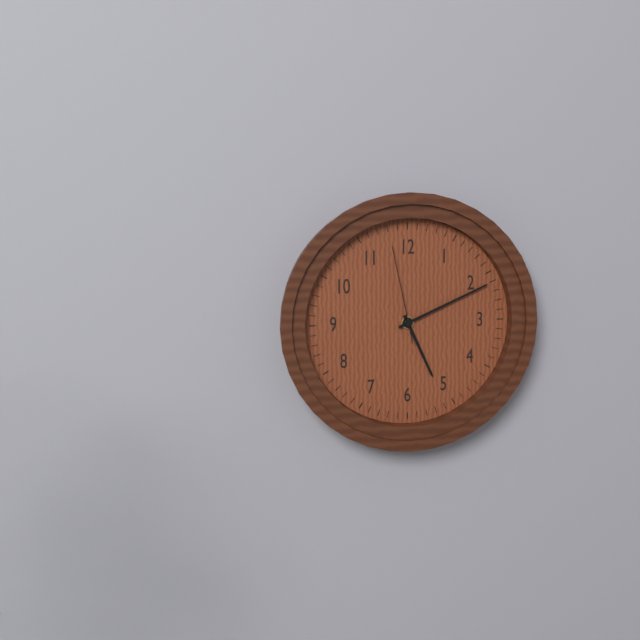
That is h=5 m=11 s=58
